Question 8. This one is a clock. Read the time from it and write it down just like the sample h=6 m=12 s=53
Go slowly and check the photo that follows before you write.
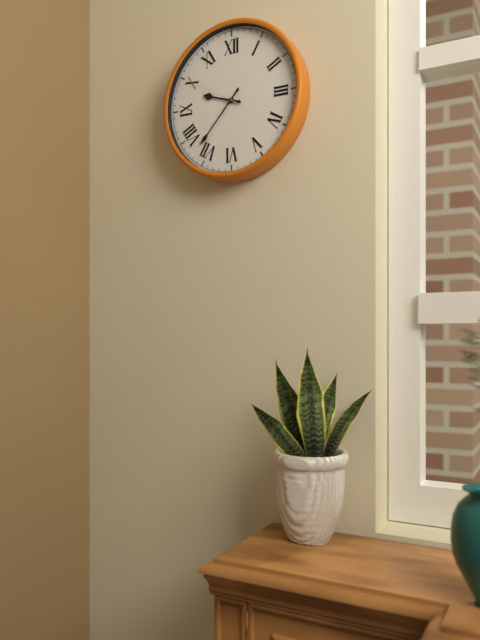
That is h=9 m=37 s=50
